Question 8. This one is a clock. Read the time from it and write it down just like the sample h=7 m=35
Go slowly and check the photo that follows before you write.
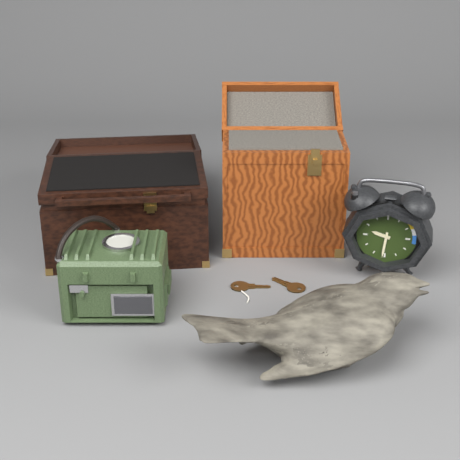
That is h=9 m=31
